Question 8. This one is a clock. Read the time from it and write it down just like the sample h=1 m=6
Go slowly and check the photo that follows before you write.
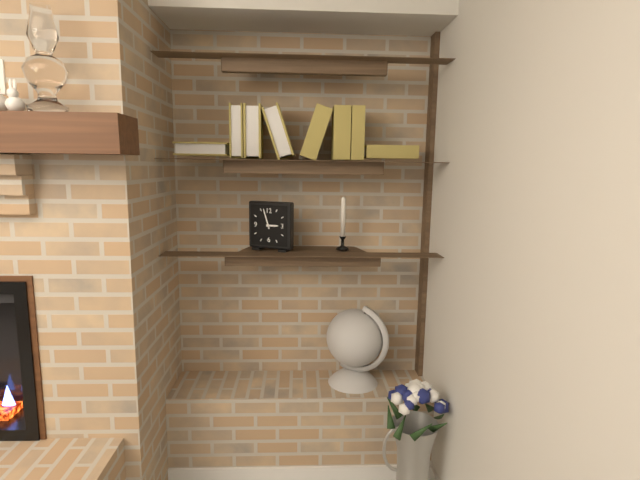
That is h=2 m=57
